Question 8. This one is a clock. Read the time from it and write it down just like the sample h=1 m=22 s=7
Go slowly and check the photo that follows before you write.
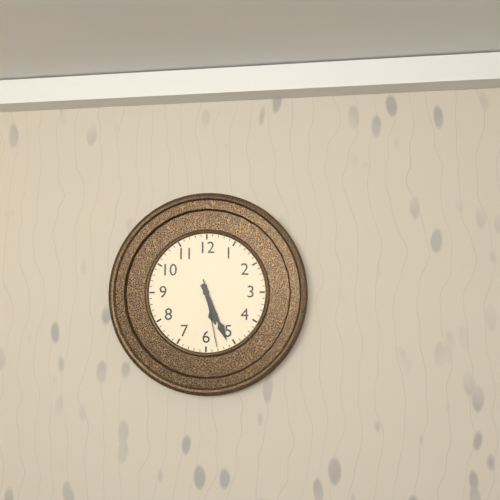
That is h=5 m=26 s=28
